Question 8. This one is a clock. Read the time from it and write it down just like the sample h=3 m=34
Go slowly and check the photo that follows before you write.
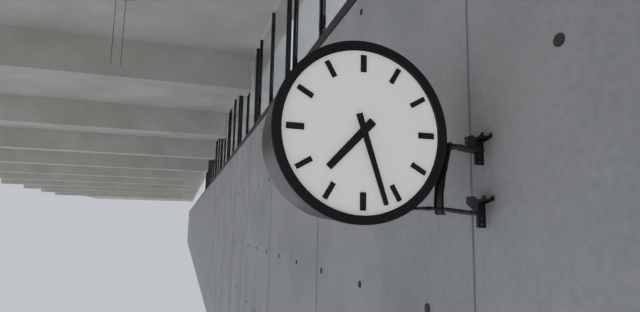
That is h=7 m=27
